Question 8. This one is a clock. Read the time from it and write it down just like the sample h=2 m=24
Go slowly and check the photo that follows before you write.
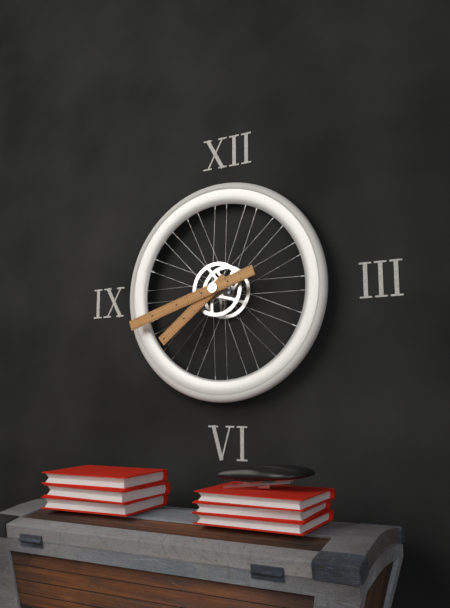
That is h=7 m=42
